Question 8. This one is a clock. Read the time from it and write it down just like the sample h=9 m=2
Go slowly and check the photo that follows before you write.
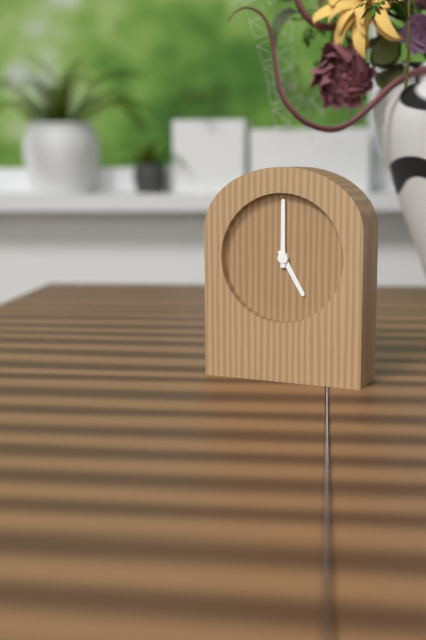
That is h=5 m=0
